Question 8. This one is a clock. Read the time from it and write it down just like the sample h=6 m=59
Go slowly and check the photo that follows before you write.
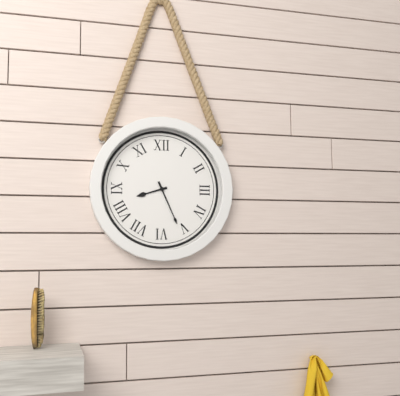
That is h=8 m=26
